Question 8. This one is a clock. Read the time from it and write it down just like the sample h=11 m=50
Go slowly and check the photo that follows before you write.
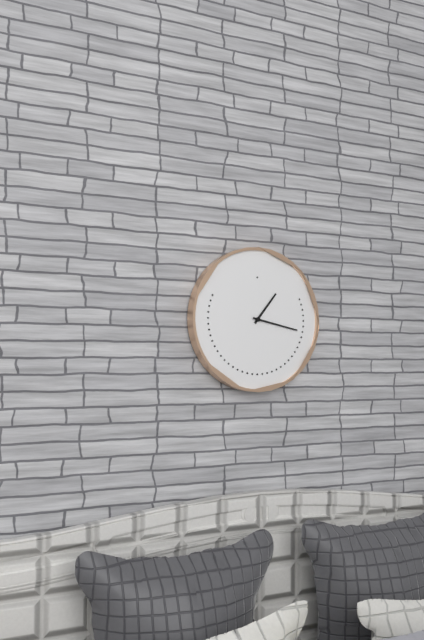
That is h=1 m=17
